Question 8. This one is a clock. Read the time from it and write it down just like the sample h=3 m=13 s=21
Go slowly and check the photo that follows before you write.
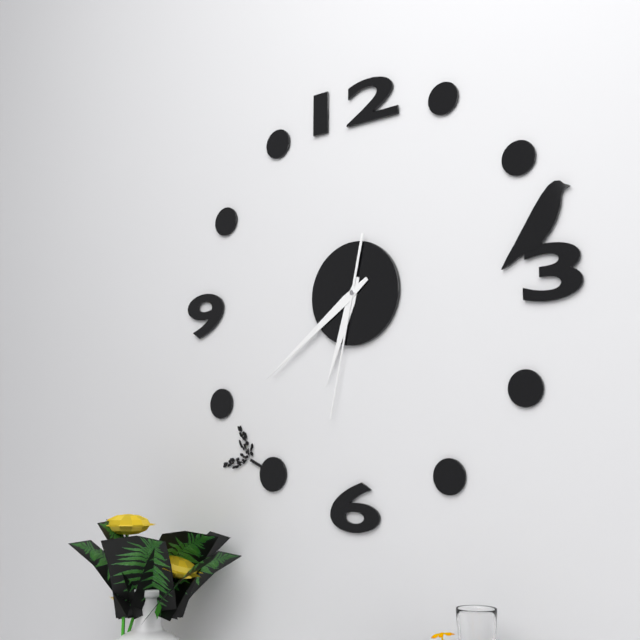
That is h=6 m=39 s=32
